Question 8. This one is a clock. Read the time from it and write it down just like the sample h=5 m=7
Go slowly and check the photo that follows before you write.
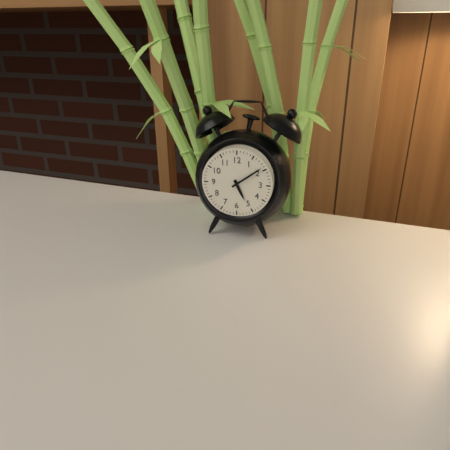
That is h=5 m=9
